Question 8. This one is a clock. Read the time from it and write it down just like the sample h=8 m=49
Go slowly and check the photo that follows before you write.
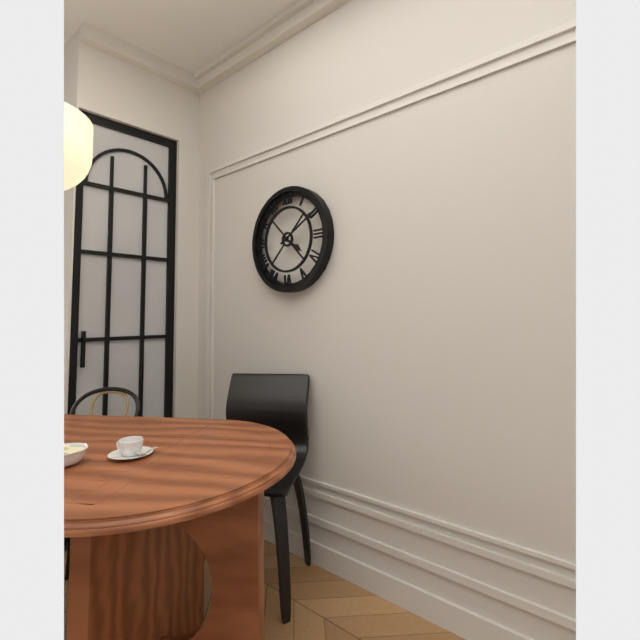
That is h=4 m=10
